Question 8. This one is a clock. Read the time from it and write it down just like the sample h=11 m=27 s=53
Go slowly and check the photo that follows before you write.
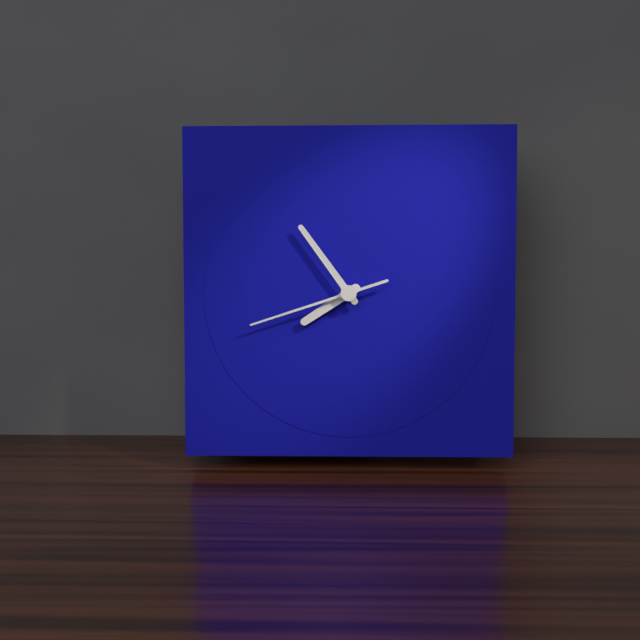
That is h=7 m=54 s=42
